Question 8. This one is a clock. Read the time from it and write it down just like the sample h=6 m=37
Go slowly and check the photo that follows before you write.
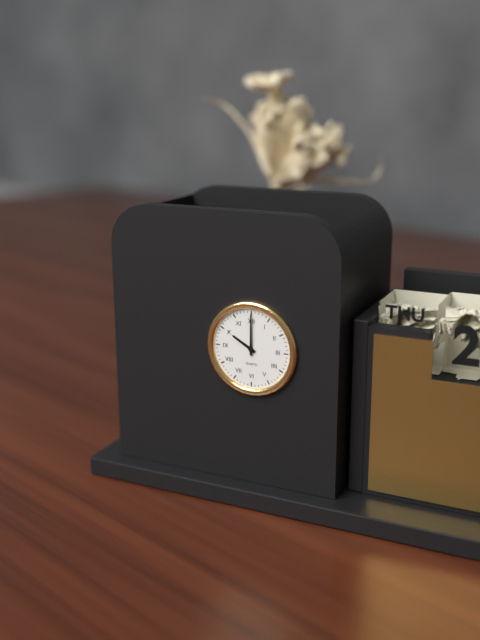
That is h=10 m=0
